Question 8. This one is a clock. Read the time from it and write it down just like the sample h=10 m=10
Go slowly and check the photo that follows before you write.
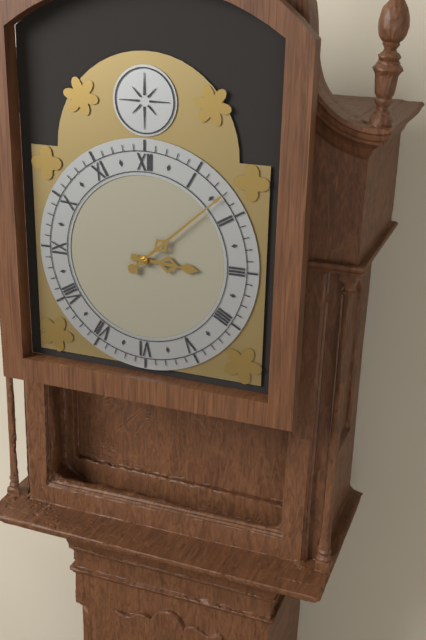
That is h=3 m=8
